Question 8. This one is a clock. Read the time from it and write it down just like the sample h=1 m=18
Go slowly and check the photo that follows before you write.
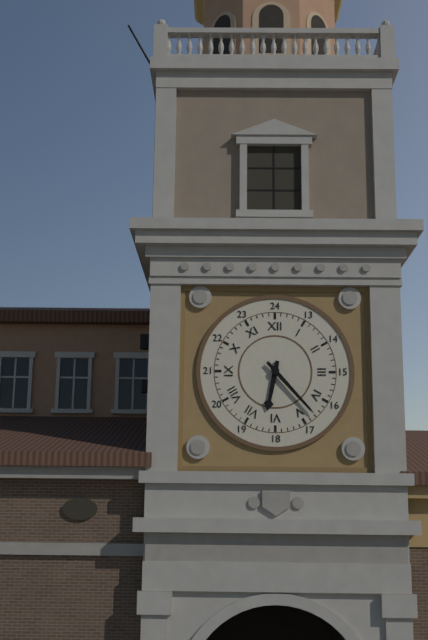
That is h=6 m=23
